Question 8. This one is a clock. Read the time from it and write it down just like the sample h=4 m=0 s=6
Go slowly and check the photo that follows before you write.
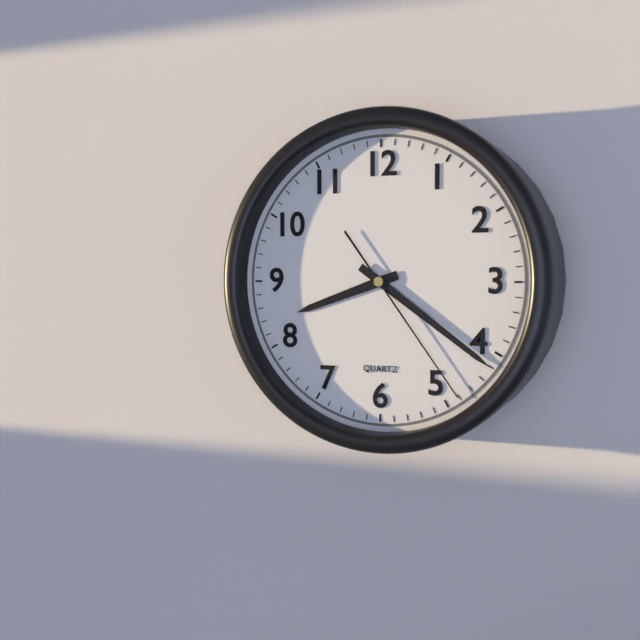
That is h=8 m=21 s=24
